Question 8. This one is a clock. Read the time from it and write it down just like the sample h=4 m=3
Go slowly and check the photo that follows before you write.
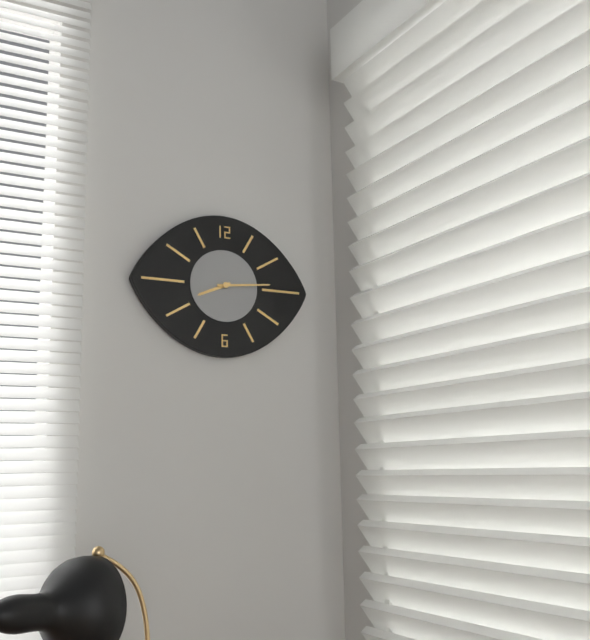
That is h=8 m=14
